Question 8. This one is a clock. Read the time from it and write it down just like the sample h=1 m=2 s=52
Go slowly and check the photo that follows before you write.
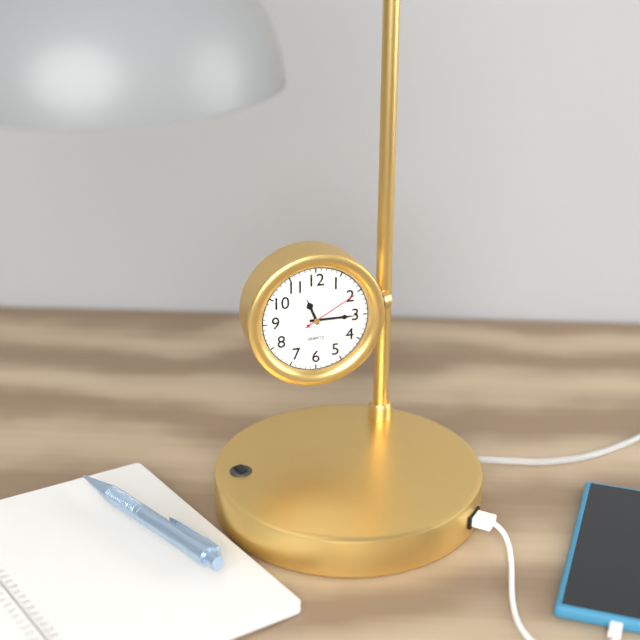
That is h=11 m=15 s=10
